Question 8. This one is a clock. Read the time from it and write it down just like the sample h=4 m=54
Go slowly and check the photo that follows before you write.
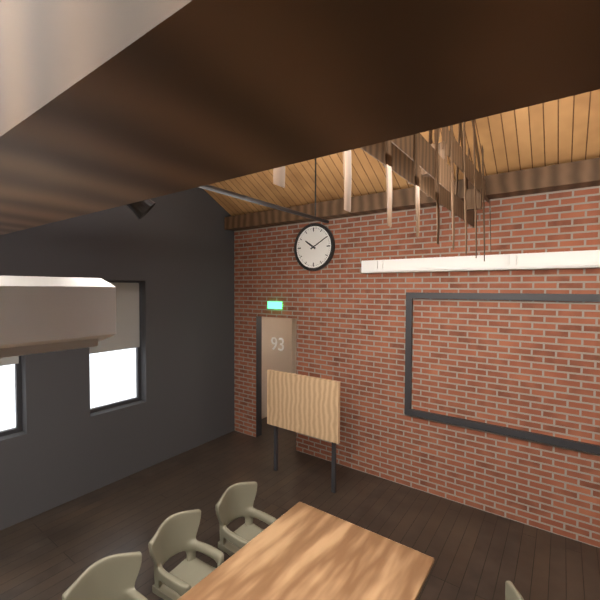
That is h=10 m=10
